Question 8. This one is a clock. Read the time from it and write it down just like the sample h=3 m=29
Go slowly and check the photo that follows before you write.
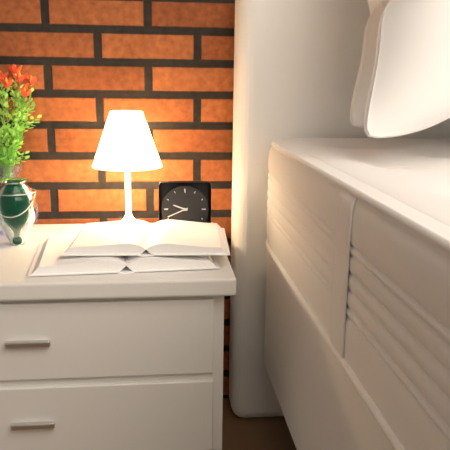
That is h=9 m=41
